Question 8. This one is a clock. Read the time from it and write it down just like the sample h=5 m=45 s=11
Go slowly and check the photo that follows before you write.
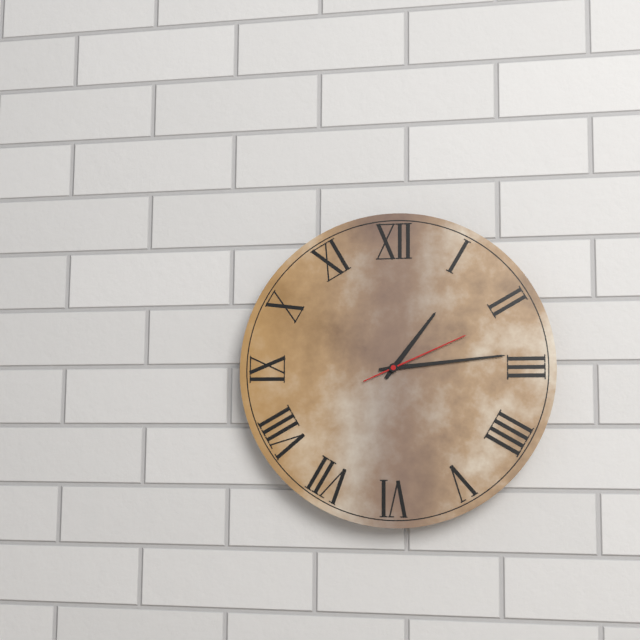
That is h=1 m=14 s=11
